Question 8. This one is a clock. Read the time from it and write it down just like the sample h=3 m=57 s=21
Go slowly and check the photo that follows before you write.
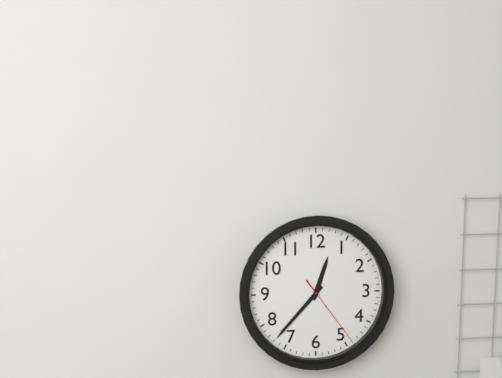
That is h=12 m=37 s=24
